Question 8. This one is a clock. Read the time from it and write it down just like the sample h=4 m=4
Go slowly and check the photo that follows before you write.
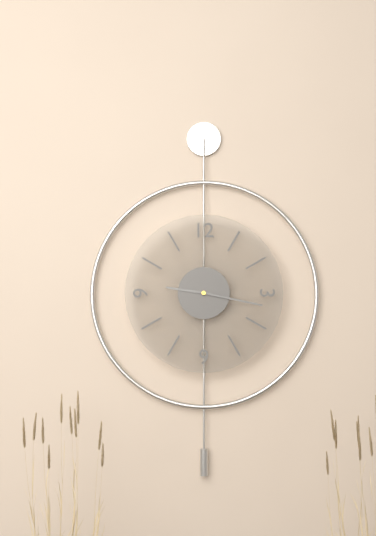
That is h=9 m=17
